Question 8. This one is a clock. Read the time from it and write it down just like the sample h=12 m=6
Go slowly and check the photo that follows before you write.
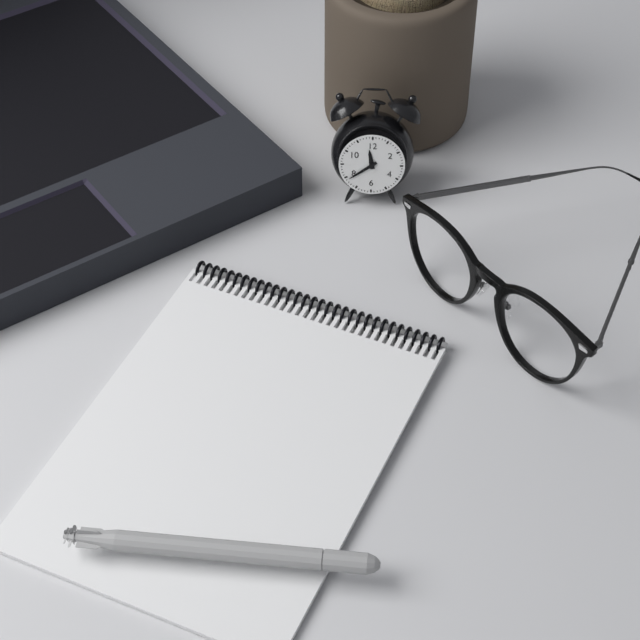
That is h=11 m=39
